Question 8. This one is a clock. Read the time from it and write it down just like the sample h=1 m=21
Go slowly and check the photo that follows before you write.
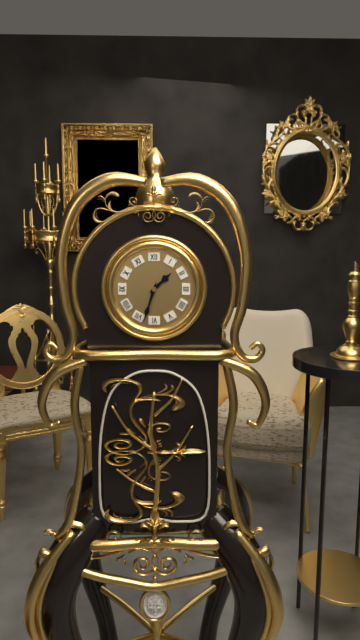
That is h=1 m=33
